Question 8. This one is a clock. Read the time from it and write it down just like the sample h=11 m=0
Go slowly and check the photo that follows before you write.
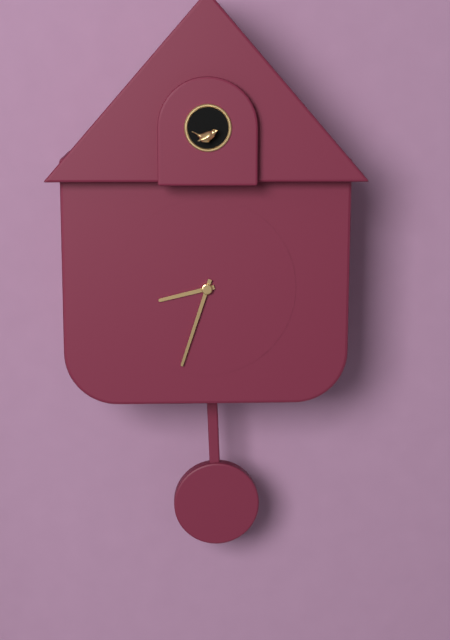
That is h=8 m=33
